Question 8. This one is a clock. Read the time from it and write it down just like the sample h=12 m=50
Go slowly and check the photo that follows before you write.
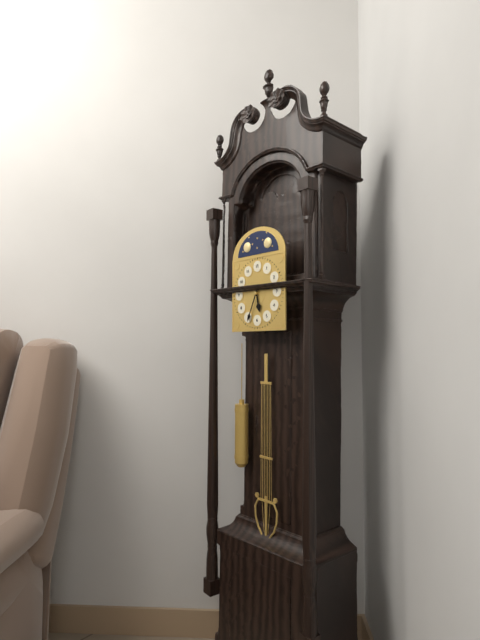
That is h=5 m=34
